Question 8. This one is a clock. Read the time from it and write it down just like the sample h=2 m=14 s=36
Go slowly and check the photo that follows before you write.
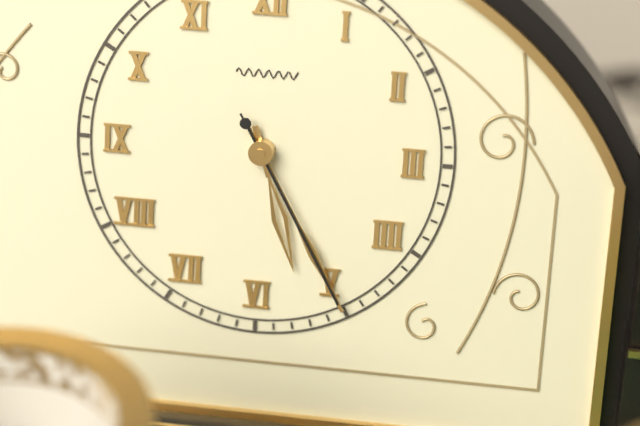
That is h=5 m=25 s=25
